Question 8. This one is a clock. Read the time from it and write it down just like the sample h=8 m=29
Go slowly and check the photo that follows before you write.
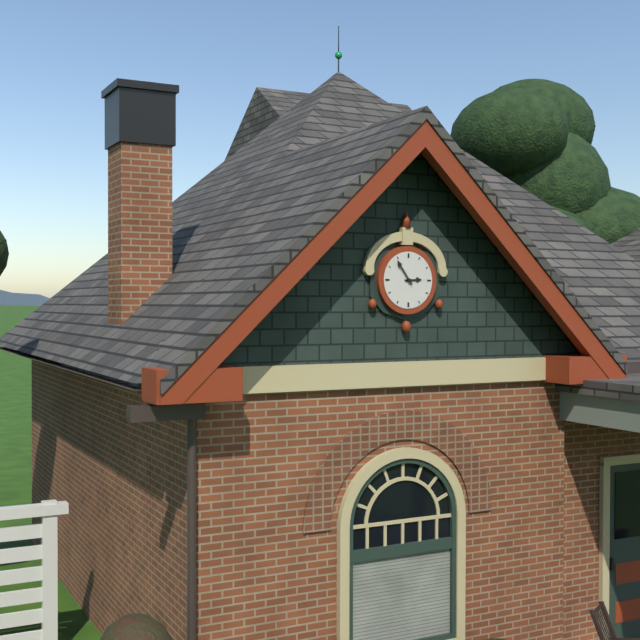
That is h=2 m=54
